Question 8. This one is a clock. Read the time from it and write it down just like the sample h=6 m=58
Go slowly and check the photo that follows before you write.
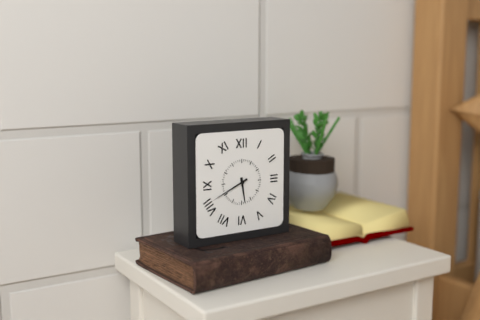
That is h=5 m=41
